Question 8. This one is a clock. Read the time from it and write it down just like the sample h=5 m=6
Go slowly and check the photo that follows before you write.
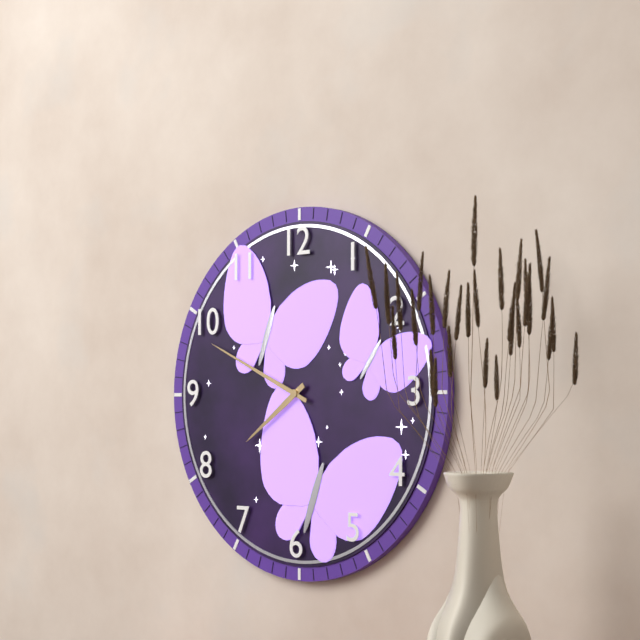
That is h=7 m=49
